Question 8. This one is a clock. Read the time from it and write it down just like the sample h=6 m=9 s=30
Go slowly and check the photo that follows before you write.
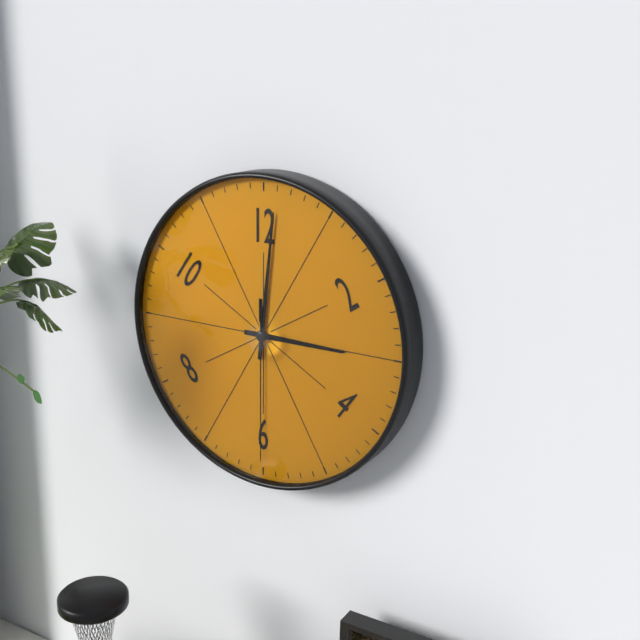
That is h=3 m=1 s=30
